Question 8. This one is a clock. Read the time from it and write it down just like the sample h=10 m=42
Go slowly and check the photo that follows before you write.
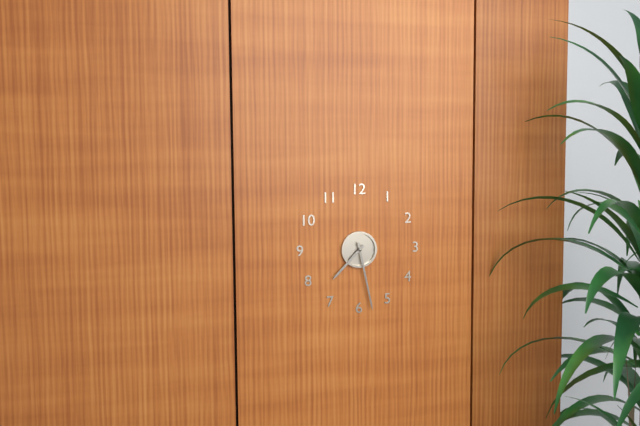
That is h=7 m=28
